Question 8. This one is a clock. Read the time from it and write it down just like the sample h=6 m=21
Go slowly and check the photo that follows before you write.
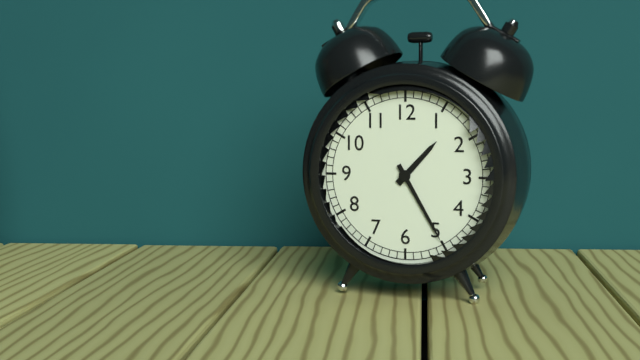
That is h=1 m=25
